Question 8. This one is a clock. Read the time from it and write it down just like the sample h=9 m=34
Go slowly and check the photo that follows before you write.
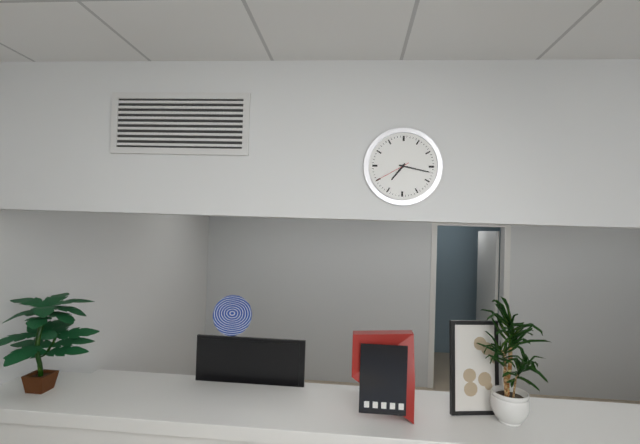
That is h=7 m=17
